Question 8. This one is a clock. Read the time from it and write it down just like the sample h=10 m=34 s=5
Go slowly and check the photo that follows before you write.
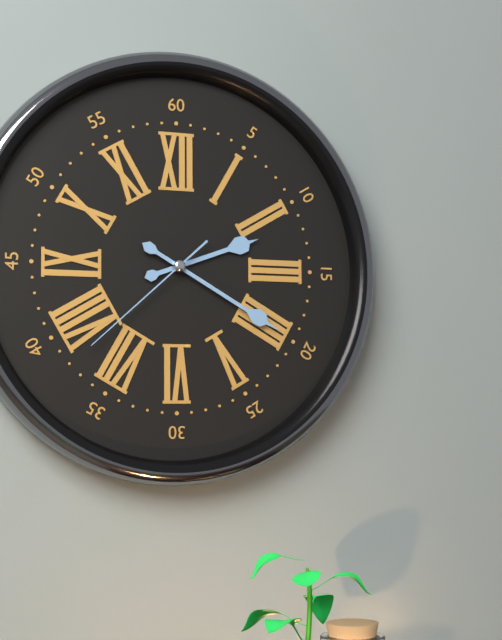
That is h=2 m=20 s=38
